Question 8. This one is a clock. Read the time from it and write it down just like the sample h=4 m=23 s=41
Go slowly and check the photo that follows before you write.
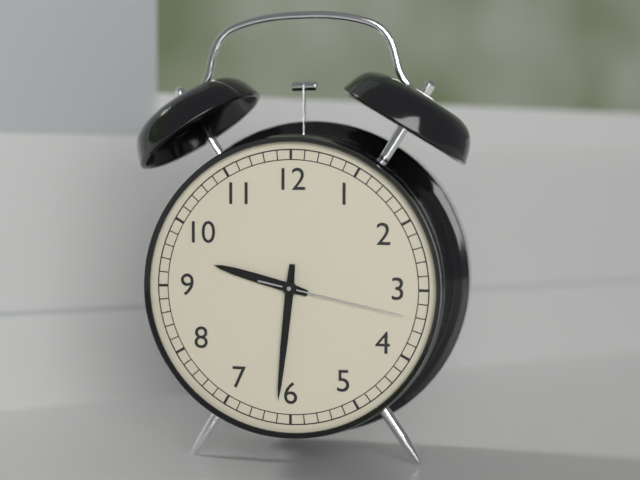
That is h=9 m=31 s=17
